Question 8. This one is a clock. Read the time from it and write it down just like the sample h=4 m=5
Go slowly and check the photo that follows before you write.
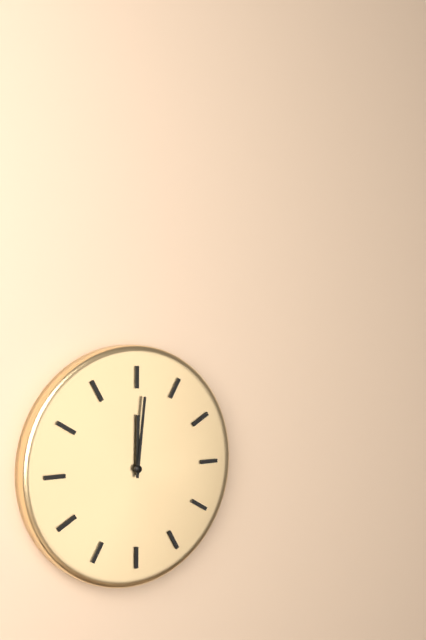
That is h=12 m=1
